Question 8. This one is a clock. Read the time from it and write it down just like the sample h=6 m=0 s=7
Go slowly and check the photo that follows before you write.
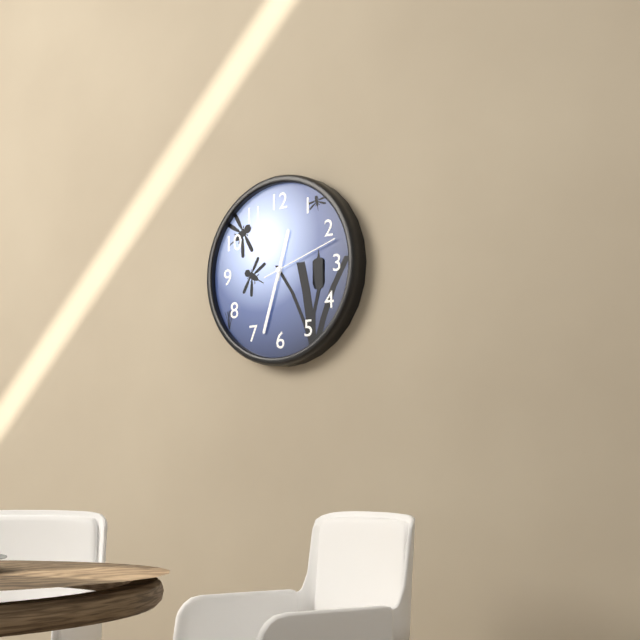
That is h=12 m=33 s=12
